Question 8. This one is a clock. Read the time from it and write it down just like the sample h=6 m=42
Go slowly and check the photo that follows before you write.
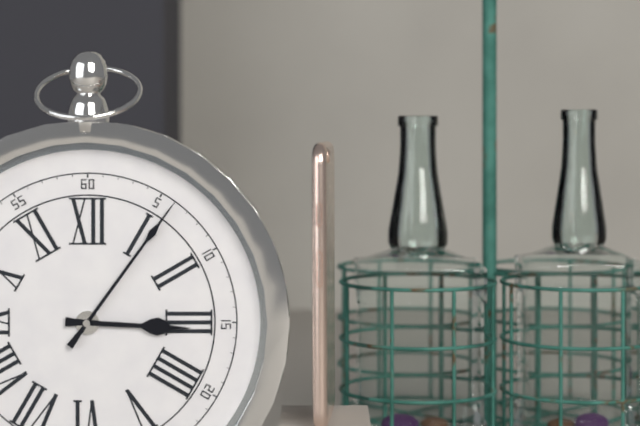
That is h=3 m=6
